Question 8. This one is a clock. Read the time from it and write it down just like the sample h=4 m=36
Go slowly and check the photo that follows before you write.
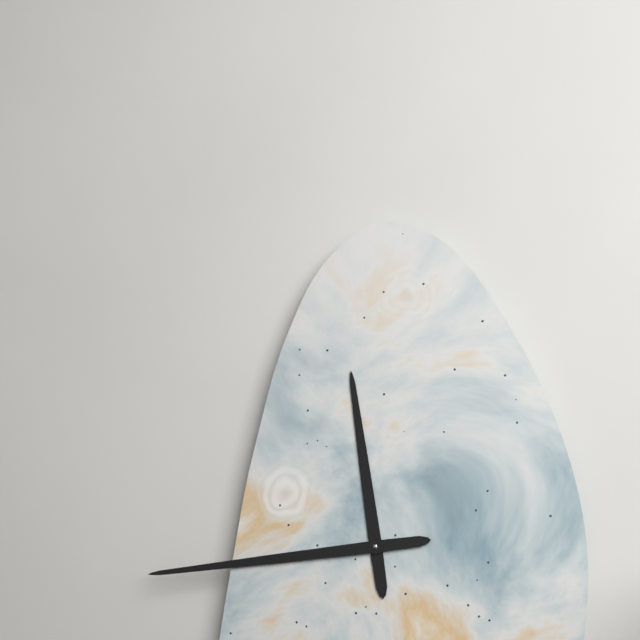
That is h=11 m=44
